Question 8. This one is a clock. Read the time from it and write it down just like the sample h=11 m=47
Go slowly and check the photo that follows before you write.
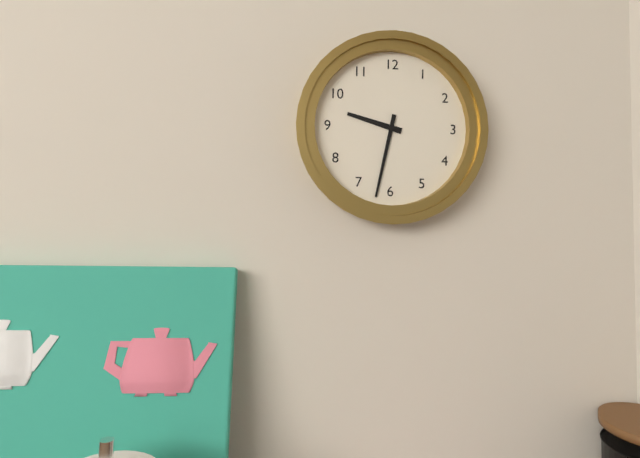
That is h=9 m=32
